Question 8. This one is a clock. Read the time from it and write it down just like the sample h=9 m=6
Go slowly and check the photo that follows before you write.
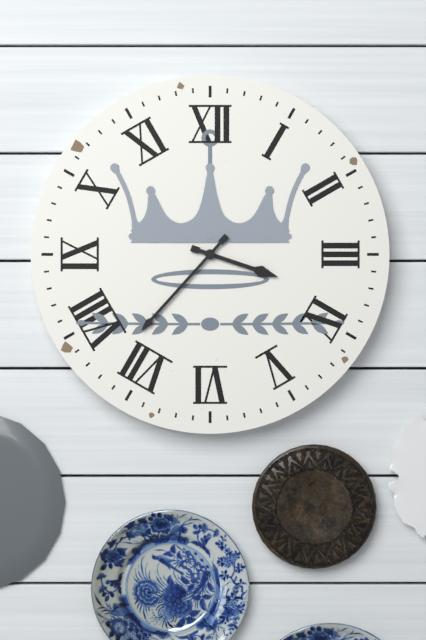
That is h=3 m=37
